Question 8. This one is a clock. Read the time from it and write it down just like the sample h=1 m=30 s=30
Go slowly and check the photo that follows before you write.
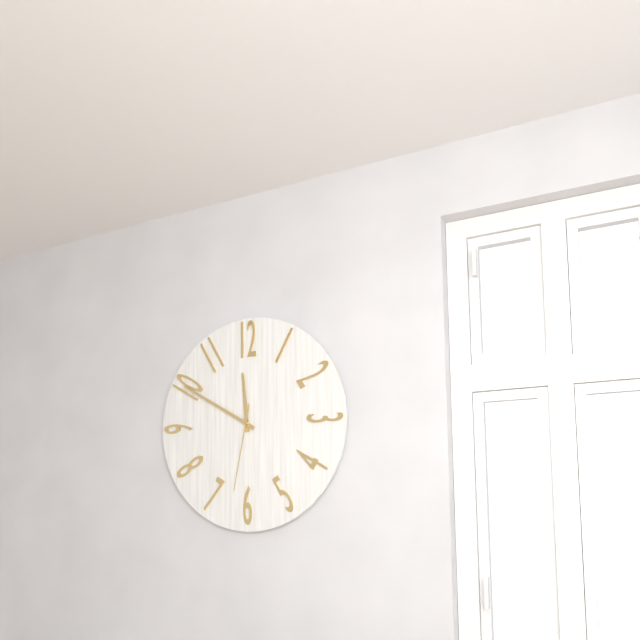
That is h=11 m=50 s=32
